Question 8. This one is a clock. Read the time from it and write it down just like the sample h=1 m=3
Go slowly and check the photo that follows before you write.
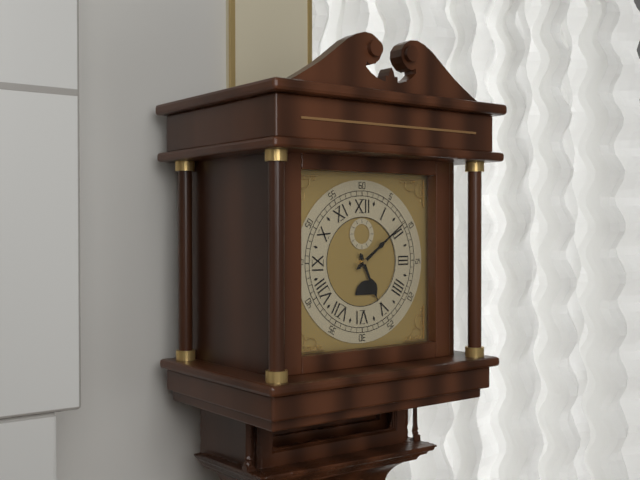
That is h=5 m=9
